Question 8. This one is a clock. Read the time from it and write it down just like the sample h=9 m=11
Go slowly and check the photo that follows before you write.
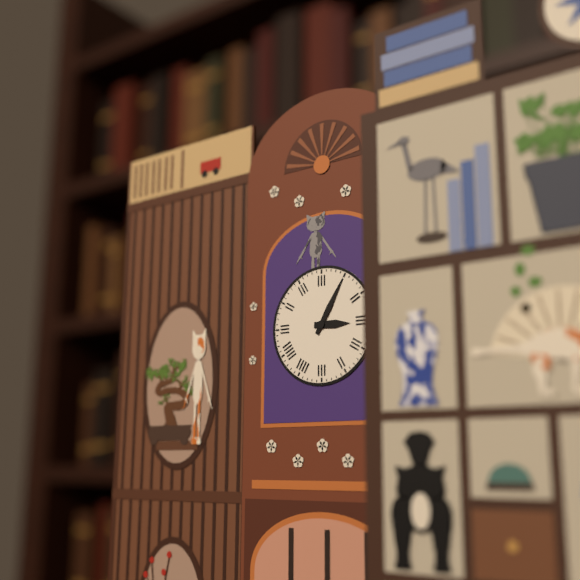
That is h=3 m=5
